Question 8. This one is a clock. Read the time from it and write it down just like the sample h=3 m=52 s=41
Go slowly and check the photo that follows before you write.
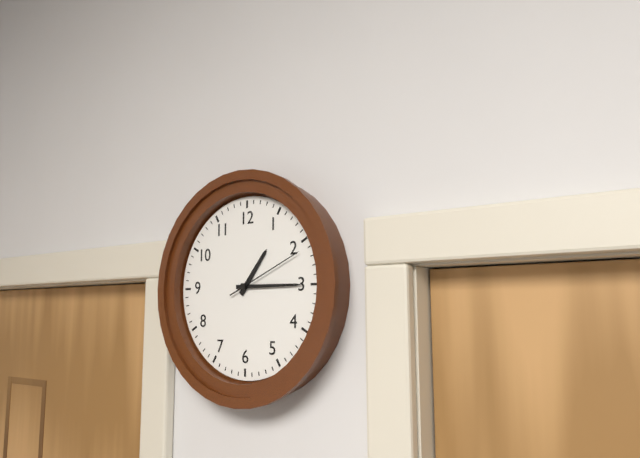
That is h=1 m=15 s=11
